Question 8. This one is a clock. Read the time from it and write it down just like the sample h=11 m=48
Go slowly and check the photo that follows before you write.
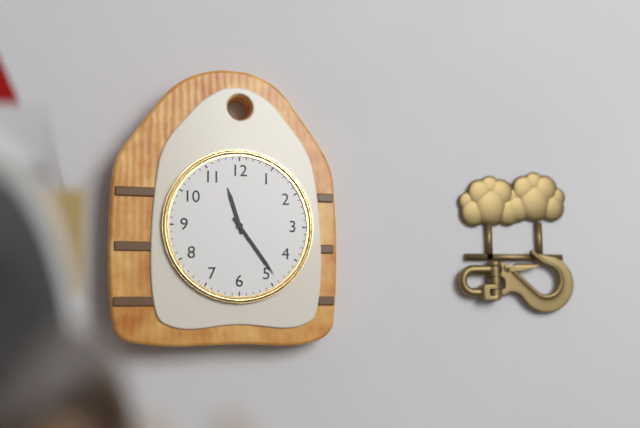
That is h=11 m=24
